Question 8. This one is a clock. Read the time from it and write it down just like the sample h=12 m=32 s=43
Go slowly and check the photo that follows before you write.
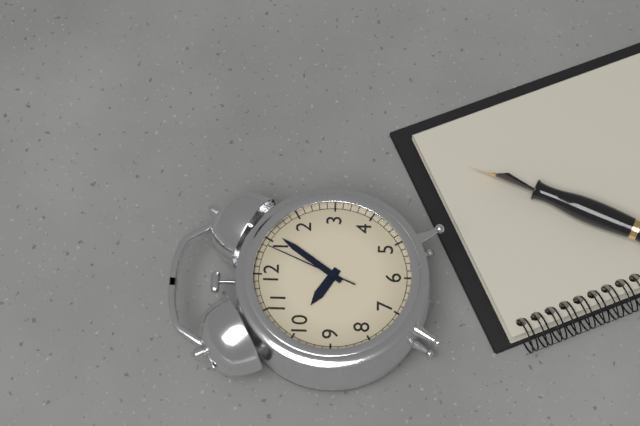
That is h=10 m=6 s=4
